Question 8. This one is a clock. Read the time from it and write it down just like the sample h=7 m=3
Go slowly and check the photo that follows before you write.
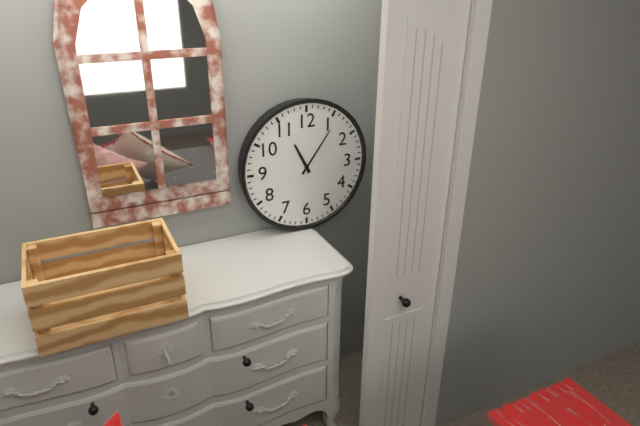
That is h=11 m=6
